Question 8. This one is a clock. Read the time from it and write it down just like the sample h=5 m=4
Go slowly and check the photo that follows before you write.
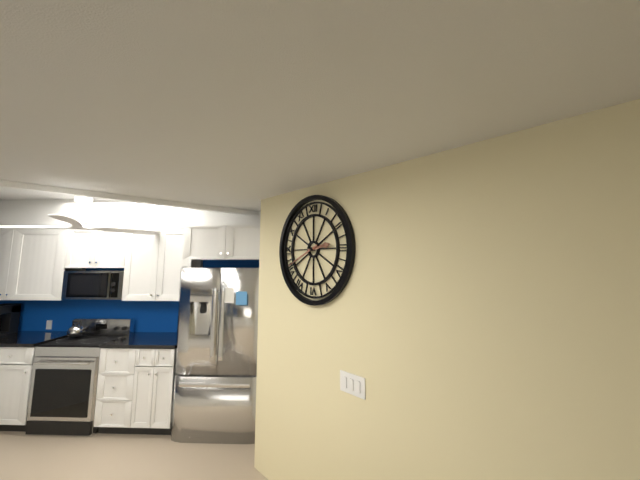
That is h=2 m=41
